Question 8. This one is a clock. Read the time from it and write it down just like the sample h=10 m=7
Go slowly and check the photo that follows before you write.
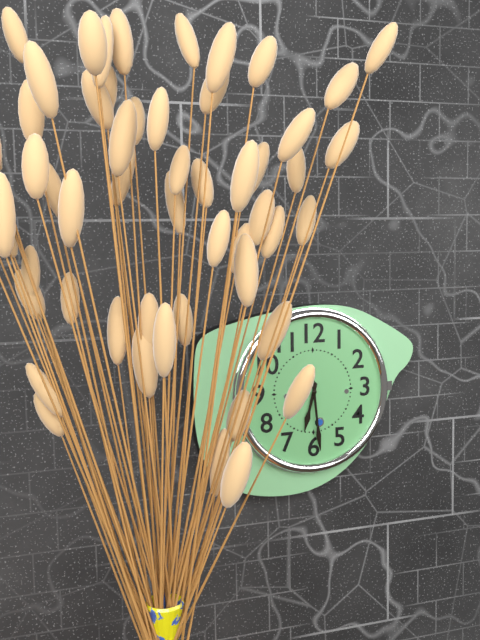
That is h=6 m=29
